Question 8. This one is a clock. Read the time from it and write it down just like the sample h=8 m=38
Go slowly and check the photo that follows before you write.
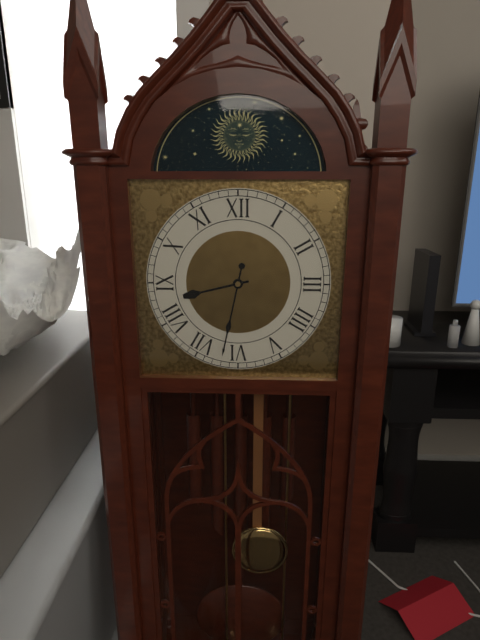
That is h=8 m=32
